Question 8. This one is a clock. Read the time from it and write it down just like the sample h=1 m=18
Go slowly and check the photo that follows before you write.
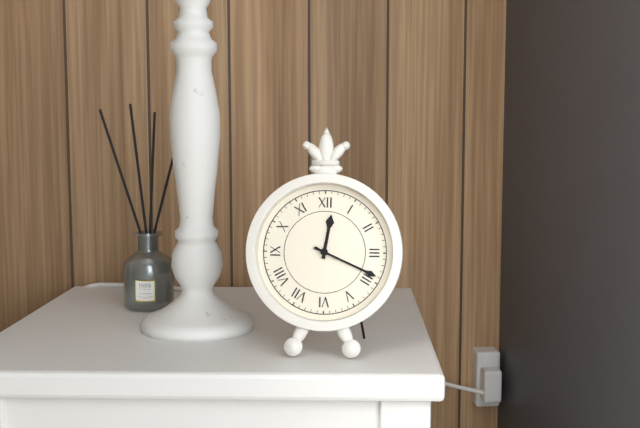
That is h=12 m=19
